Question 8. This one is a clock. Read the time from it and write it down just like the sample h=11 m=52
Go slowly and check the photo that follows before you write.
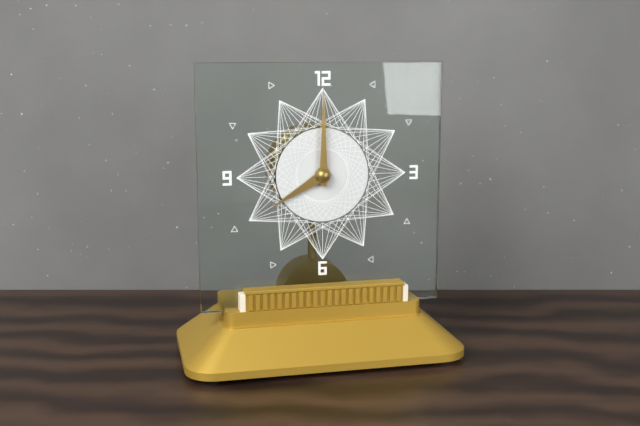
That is h=8 m=0
